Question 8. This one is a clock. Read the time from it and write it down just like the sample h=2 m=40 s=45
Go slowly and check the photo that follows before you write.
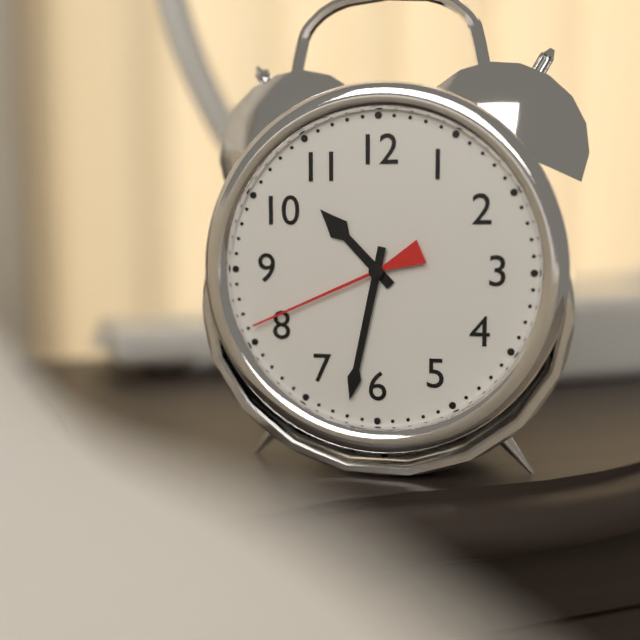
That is h=10 m=32 s=41
